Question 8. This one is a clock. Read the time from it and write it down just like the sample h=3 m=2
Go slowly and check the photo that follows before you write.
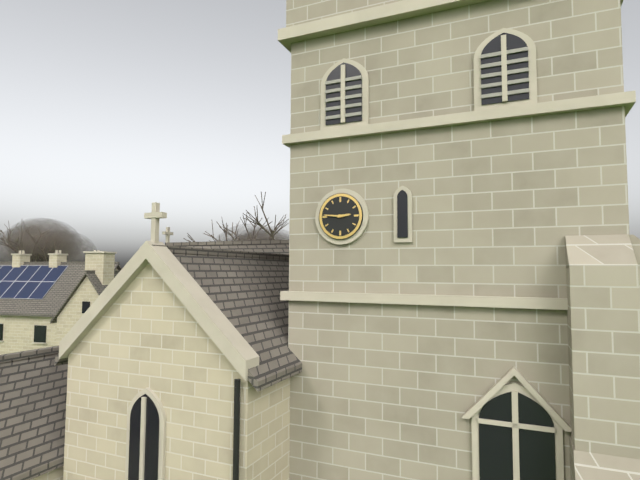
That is h=2 m=46
